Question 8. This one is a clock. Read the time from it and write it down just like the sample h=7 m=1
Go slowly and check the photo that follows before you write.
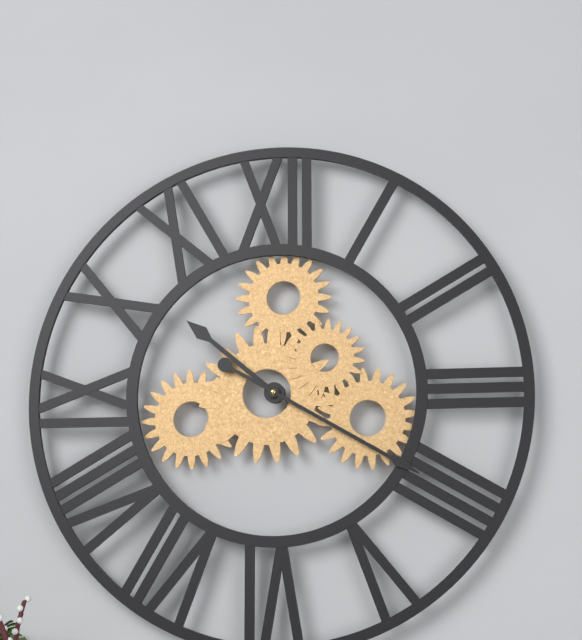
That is h=10 m=20
